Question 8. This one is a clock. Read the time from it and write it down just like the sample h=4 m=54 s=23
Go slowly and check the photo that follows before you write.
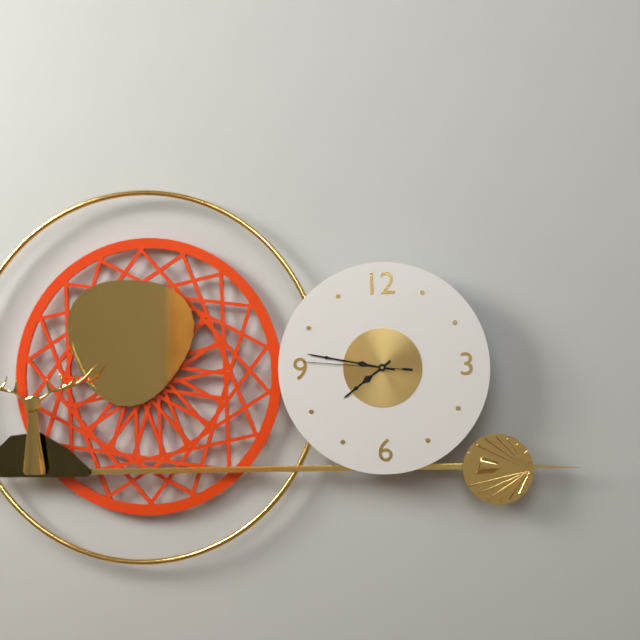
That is h=7 m=47 s=46
